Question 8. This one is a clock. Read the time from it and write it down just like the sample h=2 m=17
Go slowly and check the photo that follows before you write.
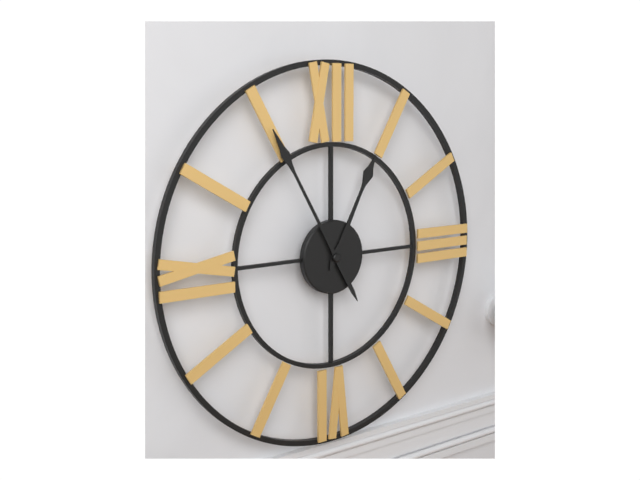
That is h=12 m=55
